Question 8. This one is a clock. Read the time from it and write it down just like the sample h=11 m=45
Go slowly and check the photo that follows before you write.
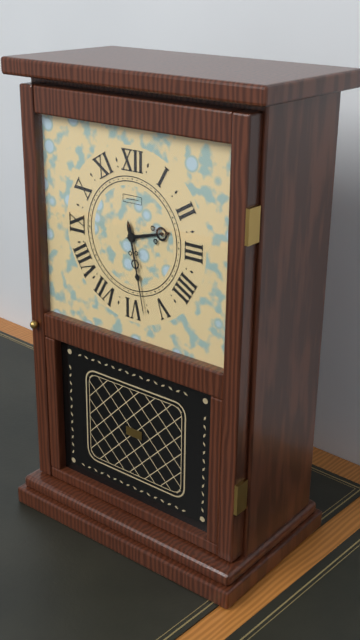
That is h=2 m=28
